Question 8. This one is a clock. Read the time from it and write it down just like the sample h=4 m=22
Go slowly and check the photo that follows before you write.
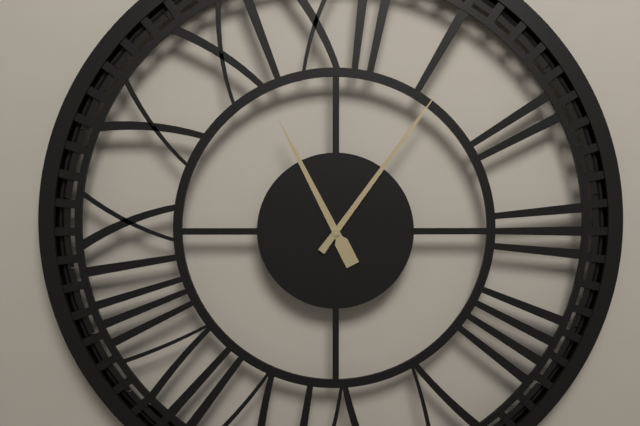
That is h=11 m=6
